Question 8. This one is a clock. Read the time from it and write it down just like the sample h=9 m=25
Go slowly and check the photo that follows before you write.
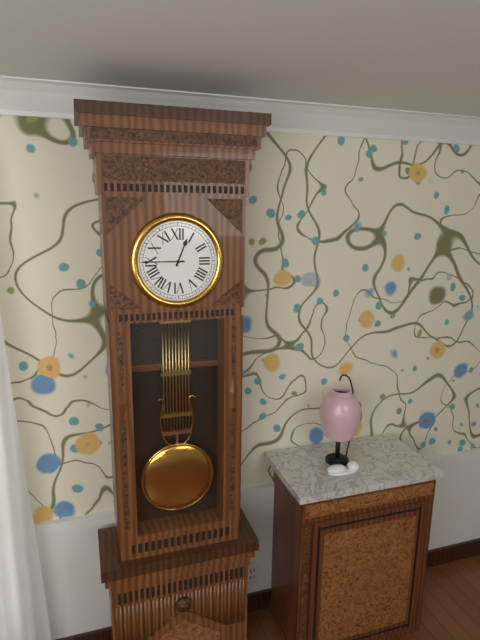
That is h=12 m=45
